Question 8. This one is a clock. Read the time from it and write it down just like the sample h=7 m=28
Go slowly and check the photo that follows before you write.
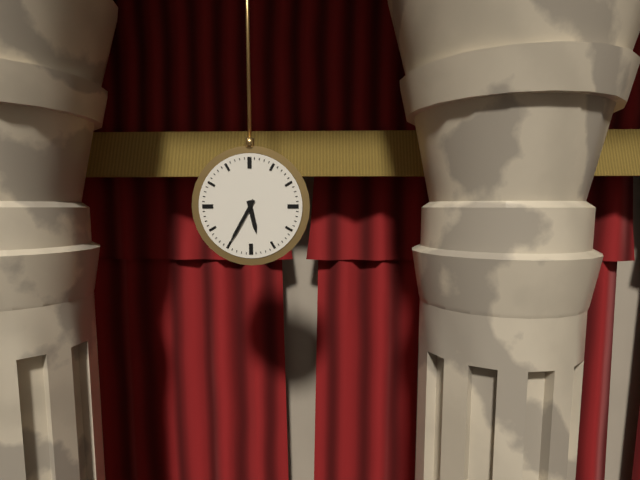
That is h=5 m=35
